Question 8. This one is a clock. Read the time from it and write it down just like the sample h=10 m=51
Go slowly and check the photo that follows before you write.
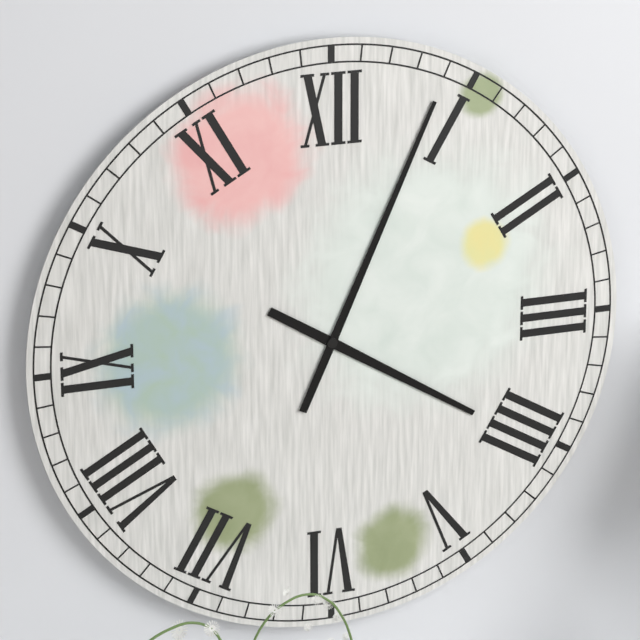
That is h=4 m=4
